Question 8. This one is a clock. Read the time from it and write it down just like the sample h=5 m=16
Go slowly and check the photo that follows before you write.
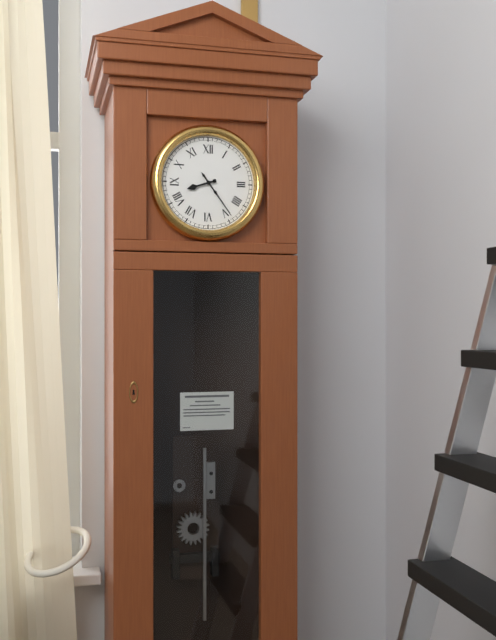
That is h=8 m=24
